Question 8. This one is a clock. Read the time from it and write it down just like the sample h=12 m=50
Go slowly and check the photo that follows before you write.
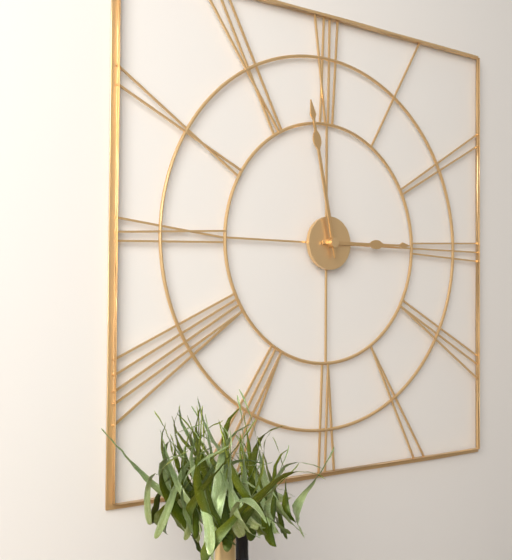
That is h=2 m=58
